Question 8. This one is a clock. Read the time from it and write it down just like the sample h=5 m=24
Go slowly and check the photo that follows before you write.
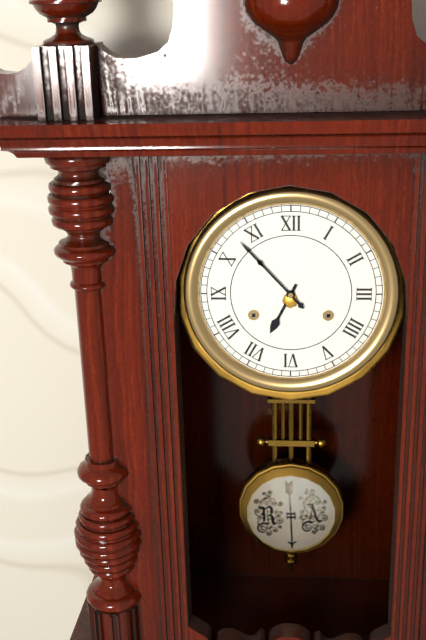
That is h=6 m=53
